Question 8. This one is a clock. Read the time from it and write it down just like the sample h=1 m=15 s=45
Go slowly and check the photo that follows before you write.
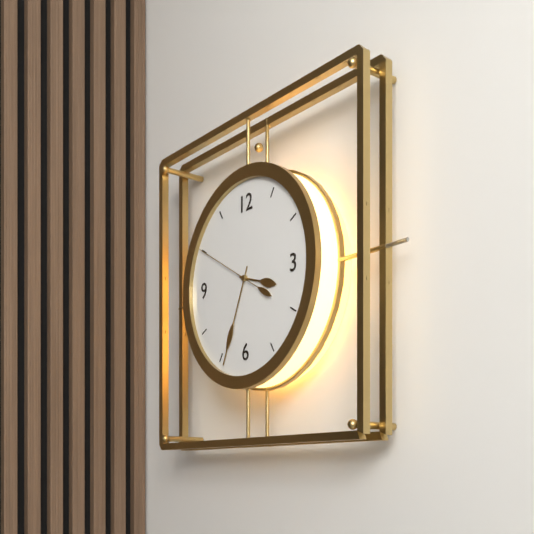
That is h=3 m=34 s=50
